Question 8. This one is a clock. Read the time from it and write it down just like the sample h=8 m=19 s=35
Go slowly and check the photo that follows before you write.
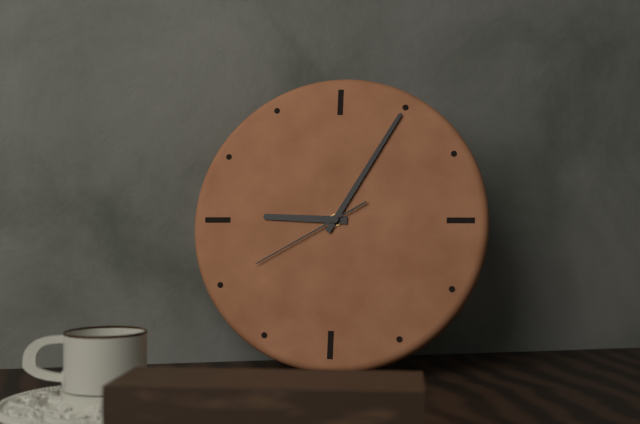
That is h=9 m=5 s=40
